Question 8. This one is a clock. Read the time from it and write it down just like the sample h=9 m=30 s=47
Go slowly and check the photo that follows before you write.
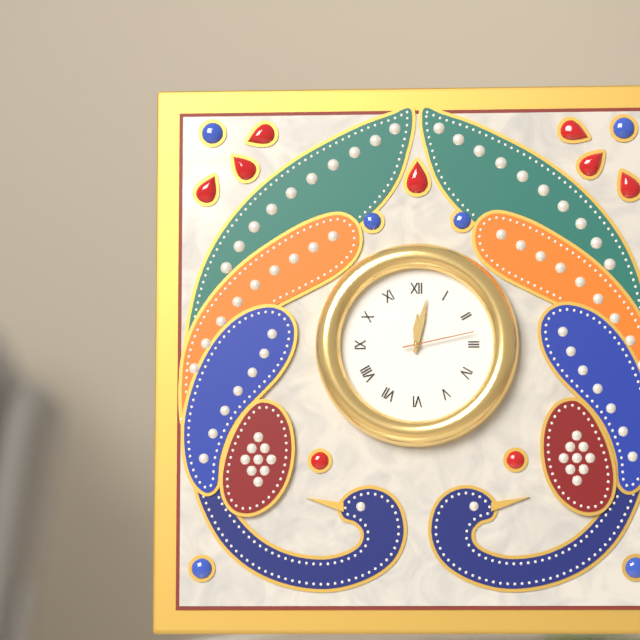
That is h=12 m=2 s=13
